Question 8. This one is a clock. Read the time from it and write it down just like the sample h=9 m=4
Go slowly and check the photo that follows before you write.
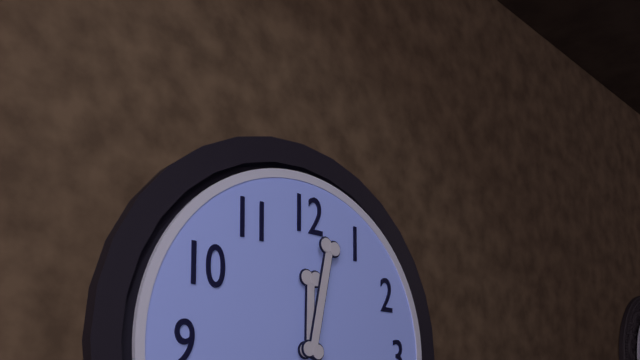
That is h=12 m=2
